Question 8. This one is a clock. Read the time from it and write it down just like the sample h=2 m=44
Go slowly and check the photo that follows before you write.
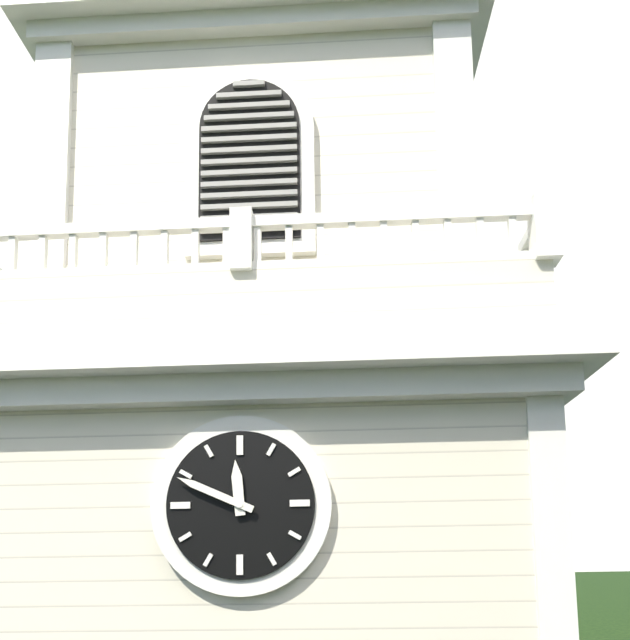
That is h=11 m=49
